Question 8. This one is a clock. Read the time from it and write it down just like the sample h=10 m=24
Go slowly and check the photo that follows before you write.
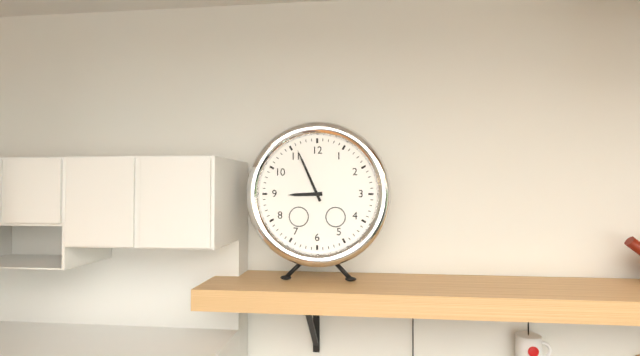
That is h=8 m=56
